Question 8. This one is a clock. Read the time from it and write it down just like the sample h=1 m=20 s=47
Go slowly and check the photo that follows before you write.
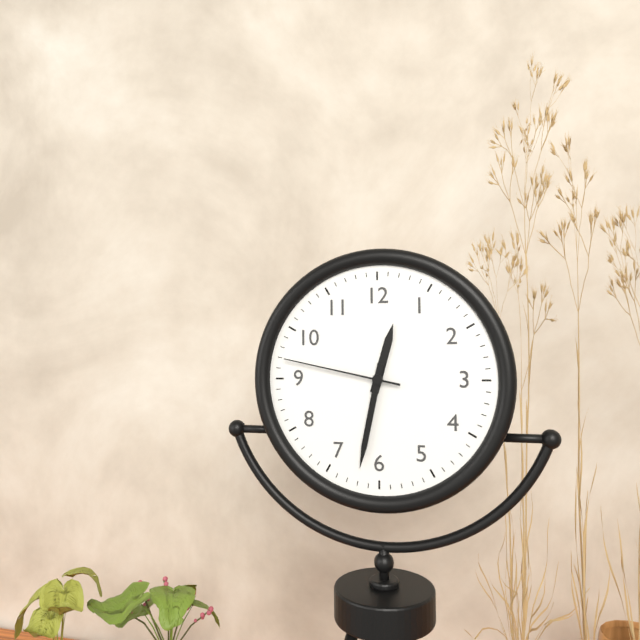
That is h=12 m=32 s=47
